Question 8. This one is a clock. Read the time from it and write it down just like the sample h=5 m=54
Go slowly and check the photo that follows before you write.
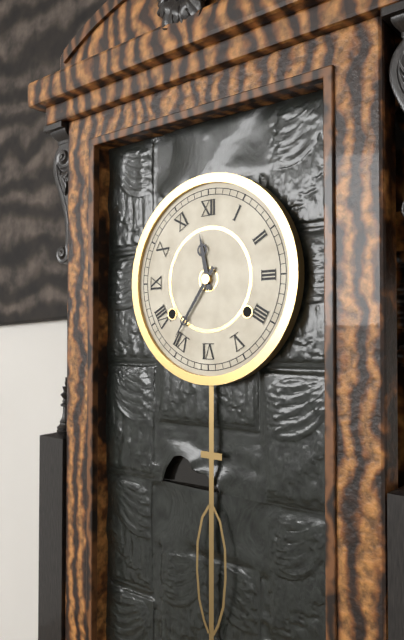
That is h=11 m=36
